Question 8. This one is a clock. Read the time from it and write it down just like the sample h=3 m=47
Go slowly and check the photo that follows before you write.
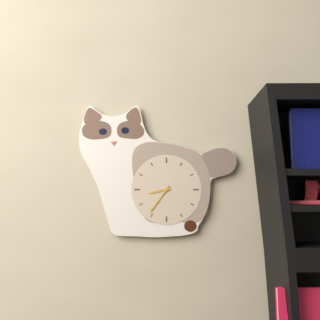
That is h=8 m=36
